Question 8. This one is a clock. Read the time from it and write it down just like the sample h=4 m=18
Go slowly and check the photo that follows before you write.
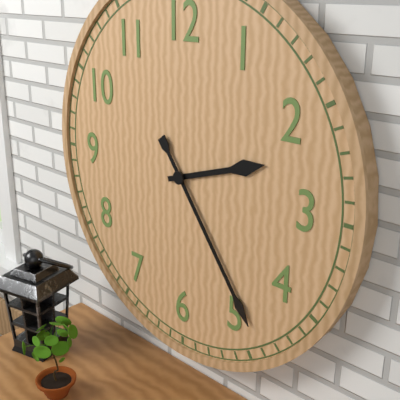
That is h=2 m=24
